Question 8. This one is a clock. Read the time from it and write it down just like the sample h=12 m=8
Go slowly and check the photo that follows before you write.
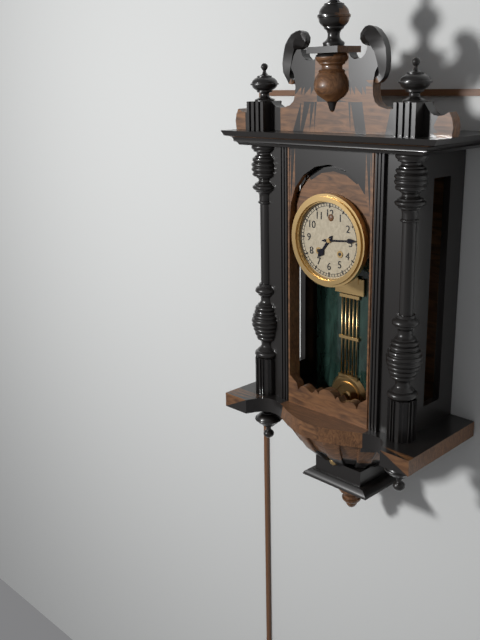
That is h=7 m=14
